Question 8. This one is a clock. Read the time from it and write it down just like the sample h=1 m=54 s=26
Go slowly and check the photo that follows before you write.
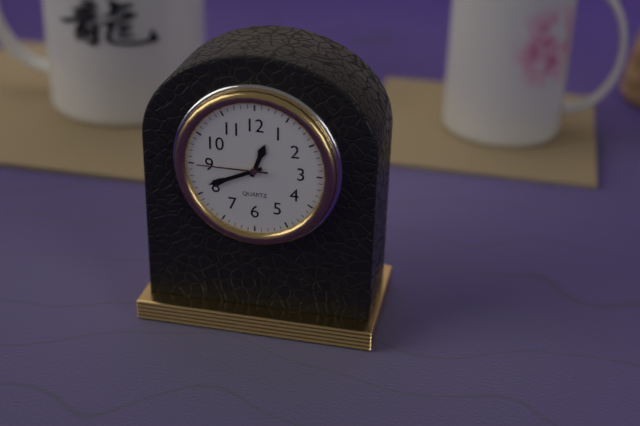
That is h=12 m=41 s=45
